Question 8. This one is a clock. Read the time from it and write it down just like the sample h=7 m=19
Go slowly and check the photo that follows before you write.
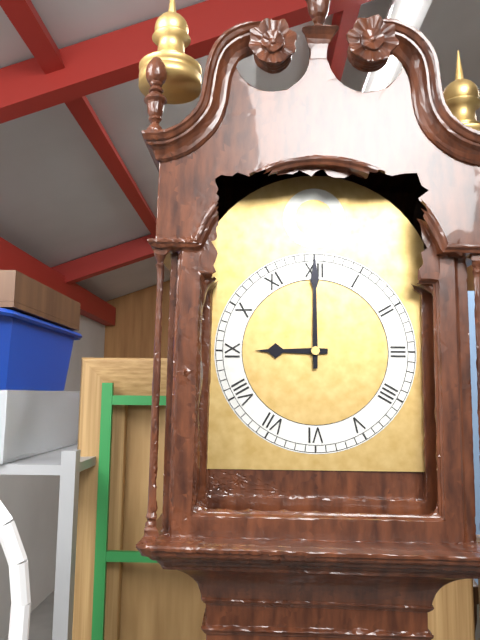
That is h=9 m=0
